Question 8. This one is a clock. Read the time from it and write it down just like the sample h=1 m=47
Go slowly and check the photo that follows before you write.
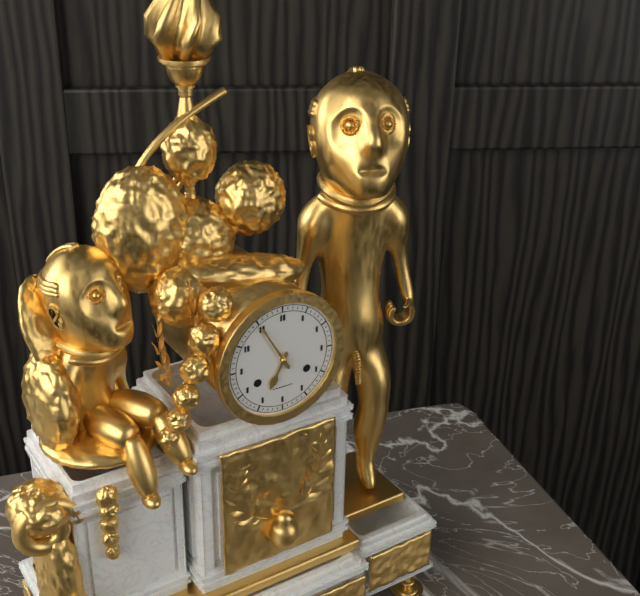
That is h=6 m=55
